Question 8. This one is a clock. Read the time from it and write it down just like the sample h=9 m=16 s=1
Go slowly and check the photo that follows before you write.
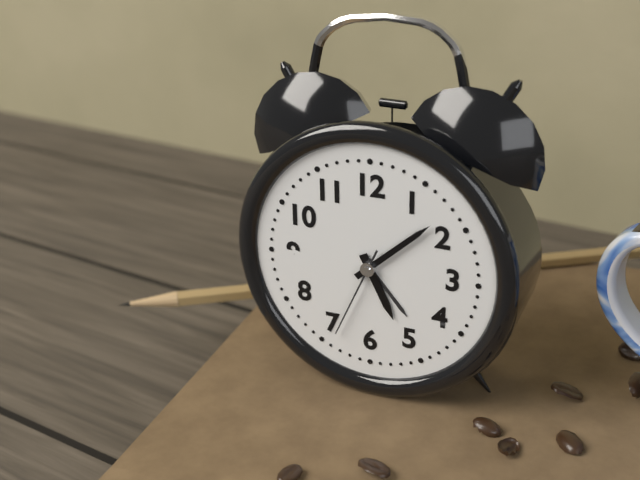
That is h=5 m=8 s=34
